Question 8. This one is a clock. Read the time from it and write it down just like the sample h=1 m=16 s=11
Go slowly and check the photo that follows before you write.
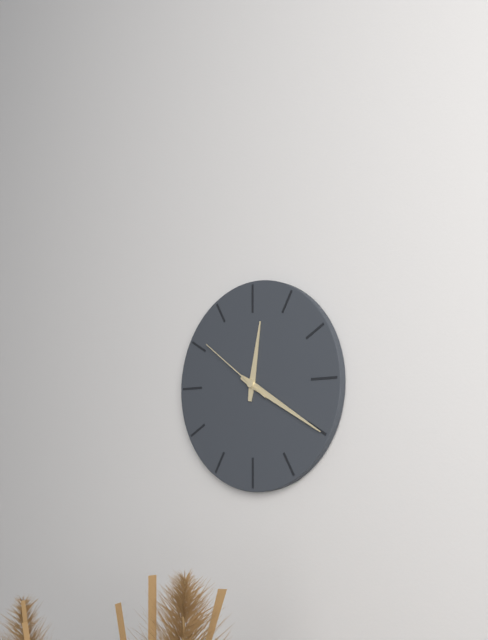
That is h=12 m=20 s=51
